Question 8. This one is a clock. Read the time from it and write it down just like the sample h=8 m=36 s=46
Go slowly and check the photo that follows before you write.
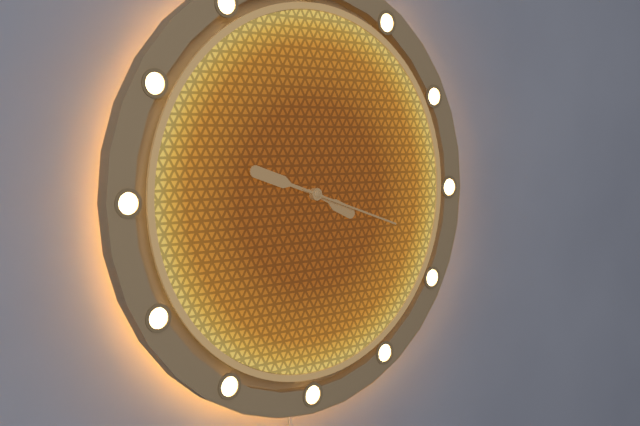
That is h=3 m=48 s=18
